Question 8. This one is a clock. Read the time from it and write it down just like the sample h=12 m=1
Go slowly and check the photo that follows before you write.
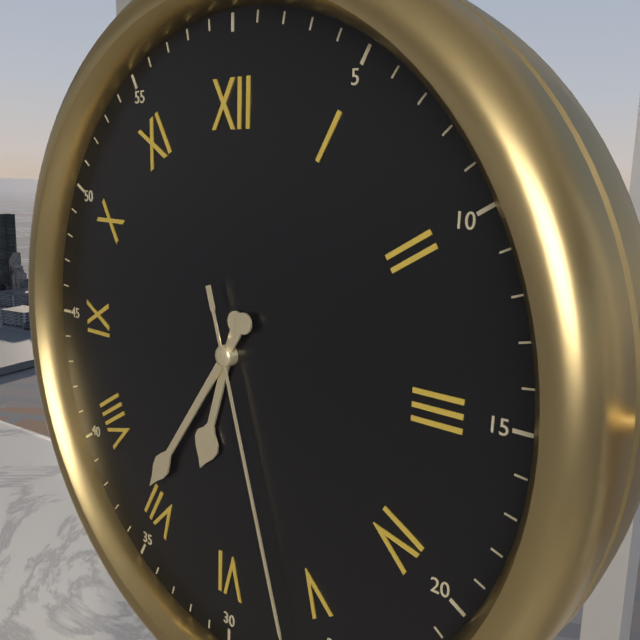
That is h=6 m=36
